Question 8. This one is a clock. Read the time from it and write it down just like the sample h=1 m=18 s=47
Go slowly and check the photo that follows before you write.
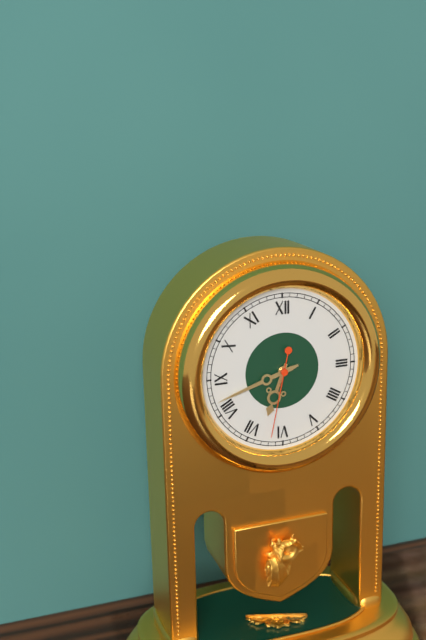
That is h=6 m=42 s=32
